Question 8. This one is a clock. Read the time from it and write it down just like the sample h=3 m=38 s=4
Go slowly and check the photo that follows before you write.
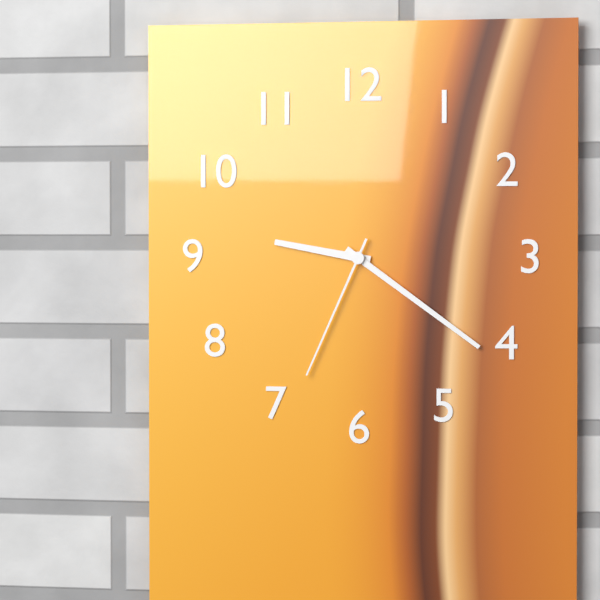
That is h=9 m=21 s=34
